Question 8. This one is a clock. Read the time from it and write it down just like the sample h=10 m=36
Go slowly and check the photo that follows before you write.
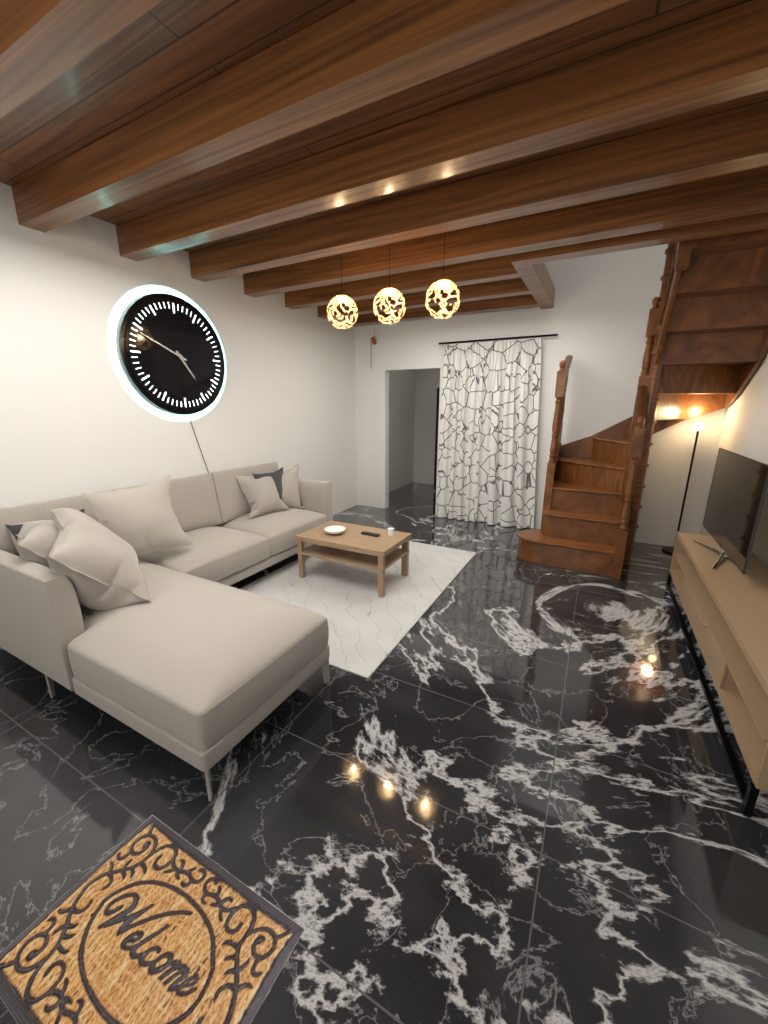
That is h=4 m=49
